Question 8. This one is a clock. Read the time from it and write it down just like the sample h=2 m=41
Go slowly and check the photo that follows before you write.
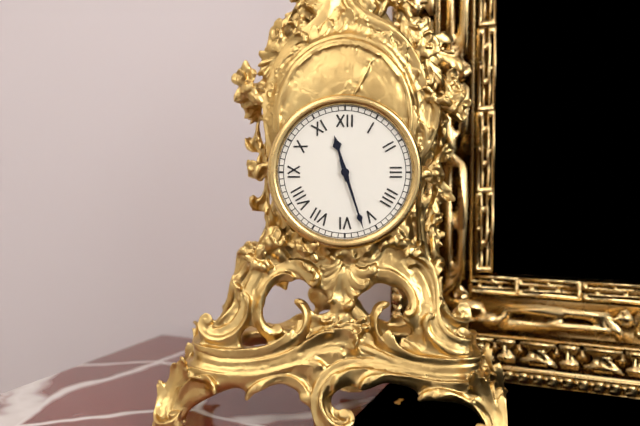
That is h=11 m=27
